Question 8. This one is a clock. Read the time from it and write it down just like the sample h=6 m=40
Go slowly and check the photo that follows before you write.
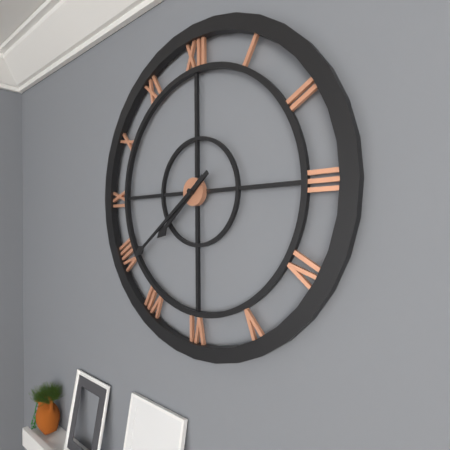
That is h=7 m=39
